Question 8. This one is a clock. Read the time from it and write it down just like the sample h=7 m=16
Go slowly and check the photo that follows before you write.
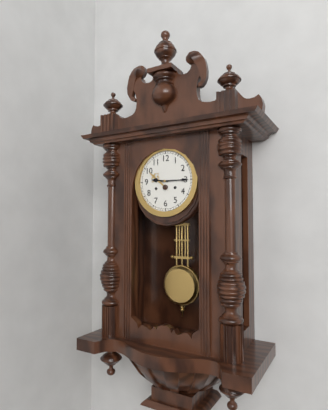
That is h=9 m=15
